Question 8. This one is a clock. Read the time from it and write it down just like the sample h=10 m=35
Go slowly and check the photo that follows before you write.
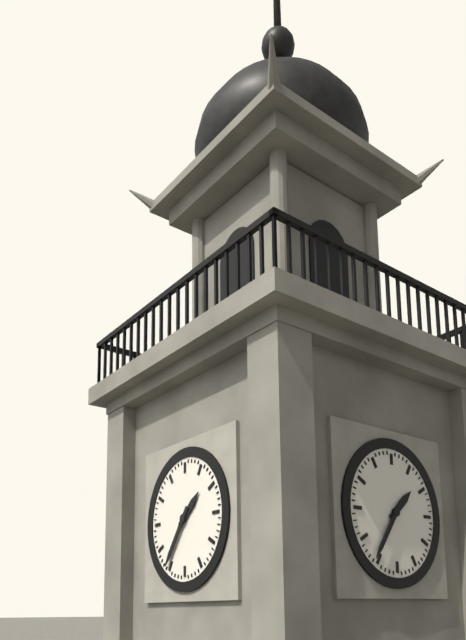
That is h=1 m=36
